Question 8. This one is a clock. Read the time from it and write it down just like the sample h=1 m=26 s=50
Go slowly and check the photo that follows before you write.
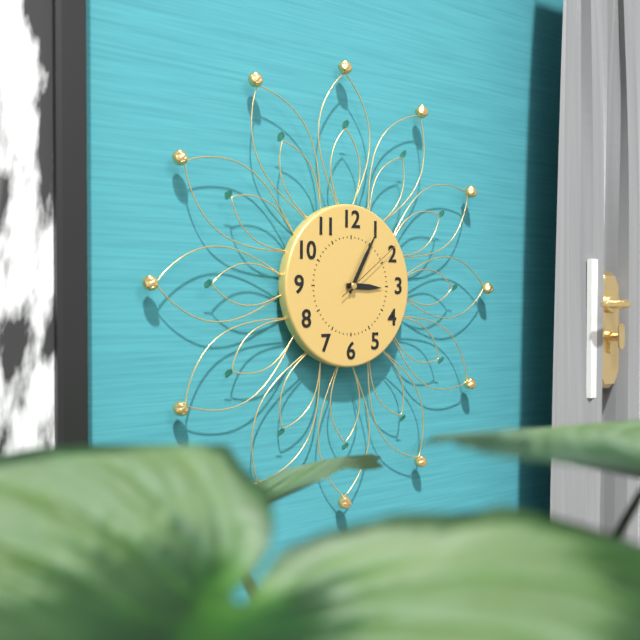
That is h=3 m=5 s=9
